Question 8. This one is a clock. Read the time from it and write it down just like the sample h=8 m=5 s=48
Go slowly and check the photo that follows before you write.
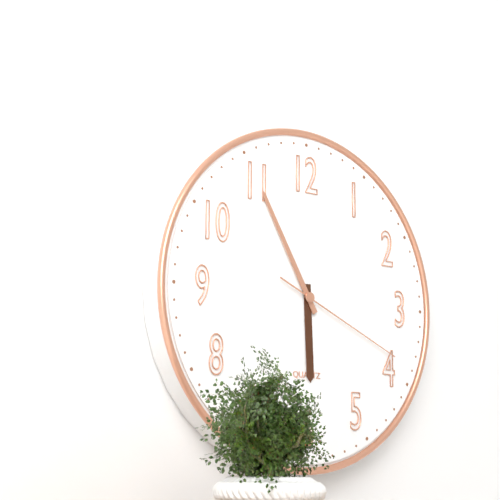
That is h=5 m=55 s=19
